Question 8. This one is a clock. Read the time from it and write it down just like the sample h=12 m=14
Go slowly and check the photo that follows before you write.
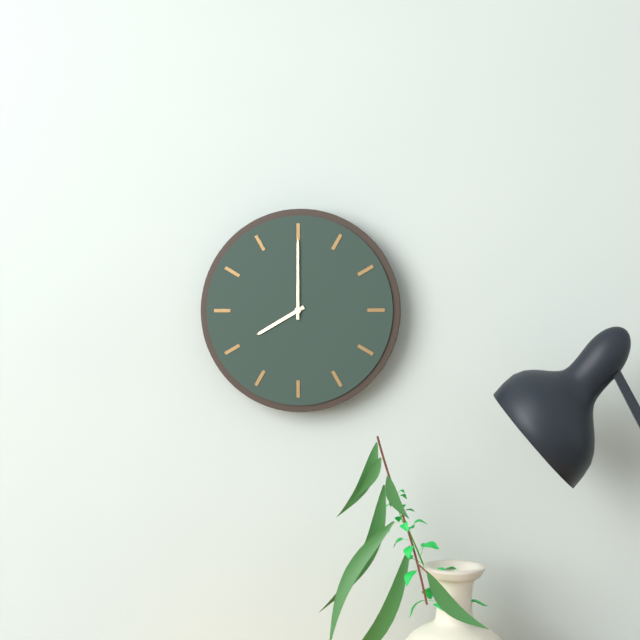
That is h=8 m=0
